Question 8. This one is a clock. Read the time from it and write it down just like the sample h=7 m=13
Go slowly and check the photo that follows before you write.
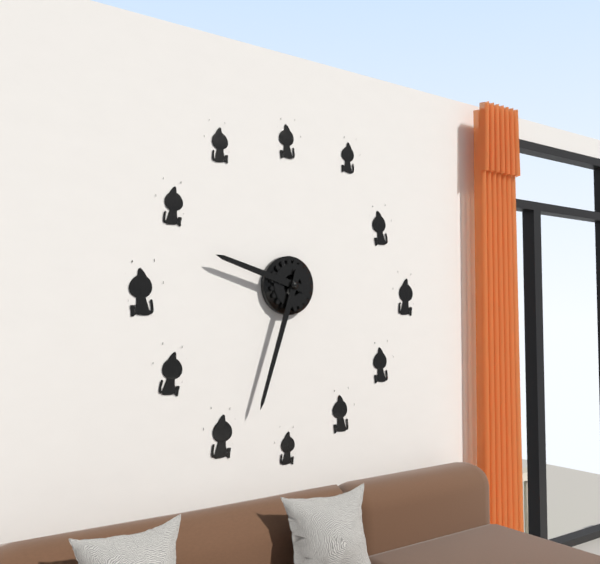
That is h=9 m=33
